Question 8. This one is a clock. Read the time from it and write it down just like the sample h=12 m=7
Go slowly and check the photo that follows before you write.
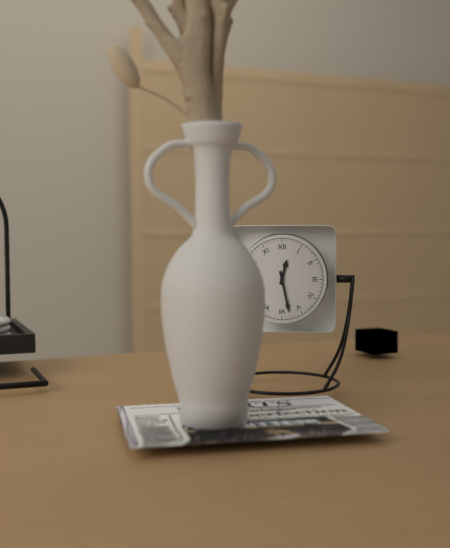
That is h=12 m=28
